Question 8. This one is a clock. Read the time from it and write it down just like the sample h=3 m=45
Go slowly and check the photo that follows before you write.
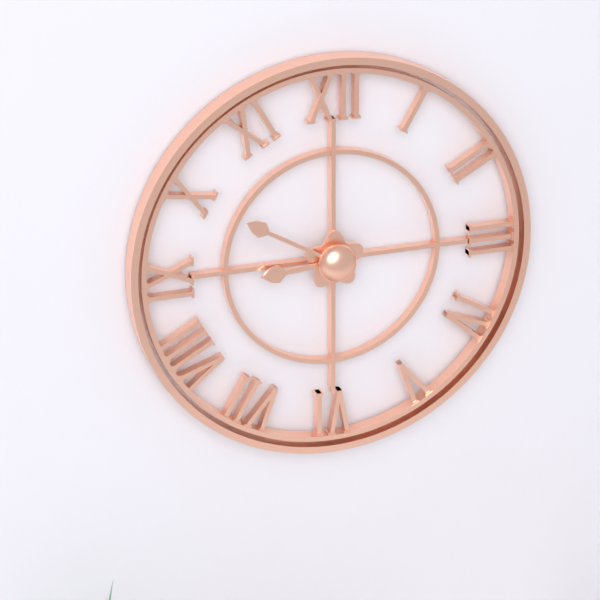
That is h=8 m=50
